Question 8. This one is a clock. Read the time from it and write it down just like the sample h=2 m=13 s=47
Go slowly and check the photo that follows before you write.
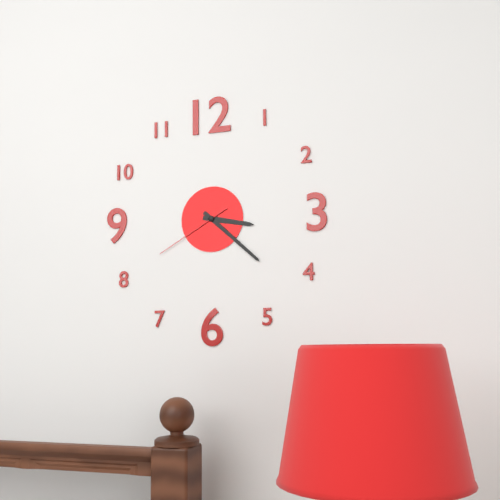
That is h=3 m=22 s=40
